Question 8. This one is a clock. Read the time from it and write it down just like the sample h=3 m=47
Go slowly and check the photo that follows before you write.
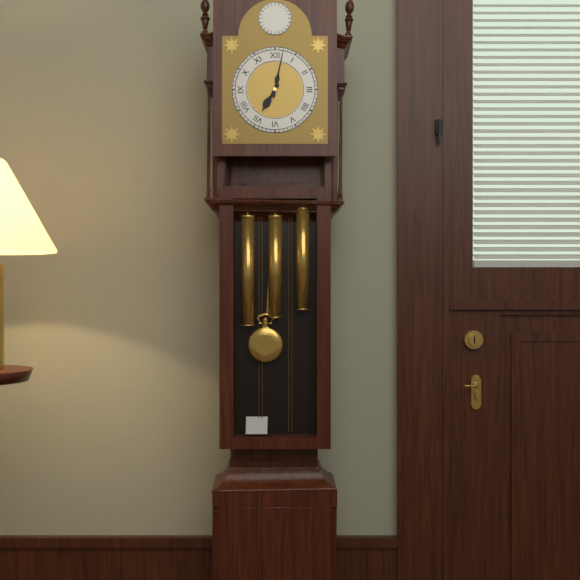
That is h=7 m=2
